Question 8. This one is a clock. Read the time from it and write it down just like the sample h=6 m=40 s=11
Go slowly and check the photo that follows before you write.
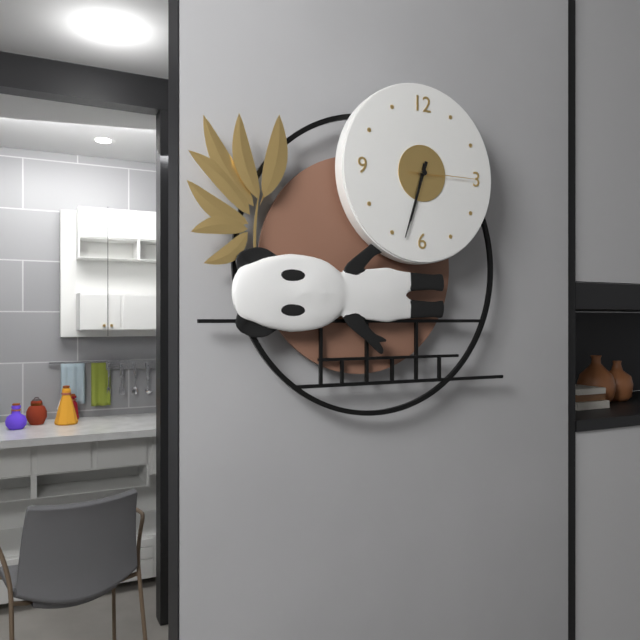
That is h=6 m=33 s=15
